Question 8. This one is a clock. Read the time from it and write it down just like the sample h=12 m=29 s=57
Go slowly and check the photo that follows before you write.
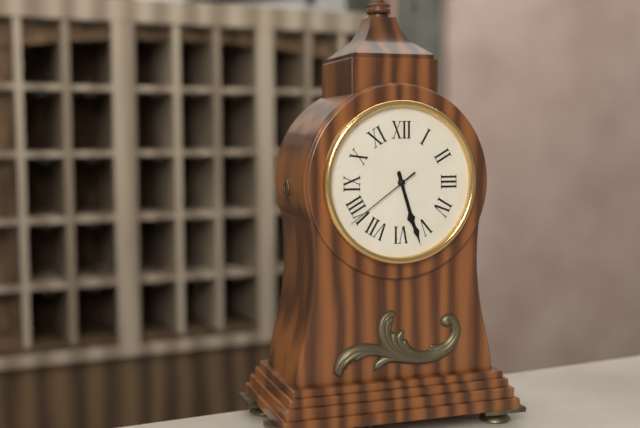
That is h=5 m=27 s=39
